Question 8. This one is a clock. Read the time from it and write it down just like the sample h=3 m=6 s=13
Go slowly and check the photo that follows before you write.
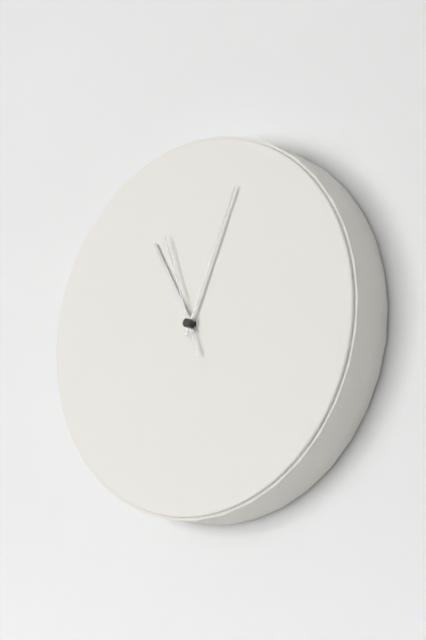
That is h=11 m=4 s=57
